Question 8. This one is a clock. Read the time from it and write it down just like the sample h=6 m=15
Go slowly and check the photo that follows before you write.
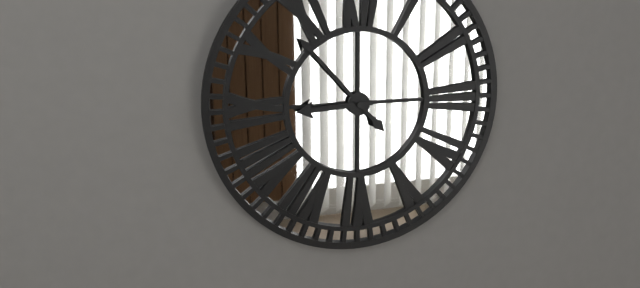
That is h=8 m=53
